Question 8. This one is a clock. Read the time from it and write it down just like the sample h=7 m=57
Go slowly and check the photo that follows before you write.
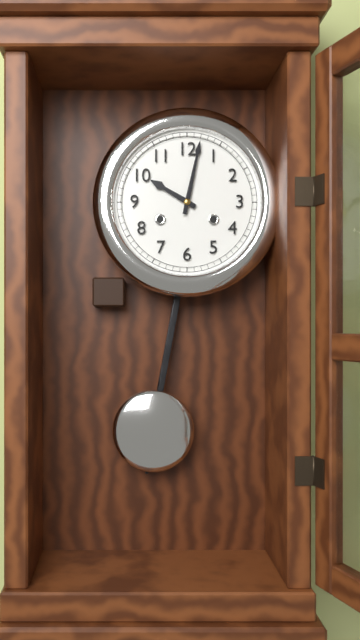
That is h=10 m=2
